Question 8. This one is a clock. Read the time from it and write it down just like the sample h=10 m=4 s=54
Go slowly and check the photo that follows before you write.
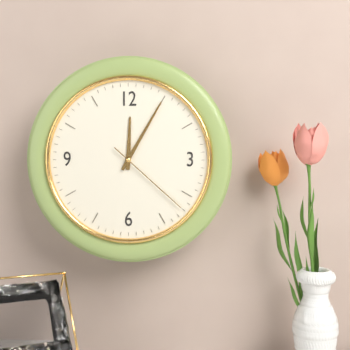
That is h=12 m=5 s=22
